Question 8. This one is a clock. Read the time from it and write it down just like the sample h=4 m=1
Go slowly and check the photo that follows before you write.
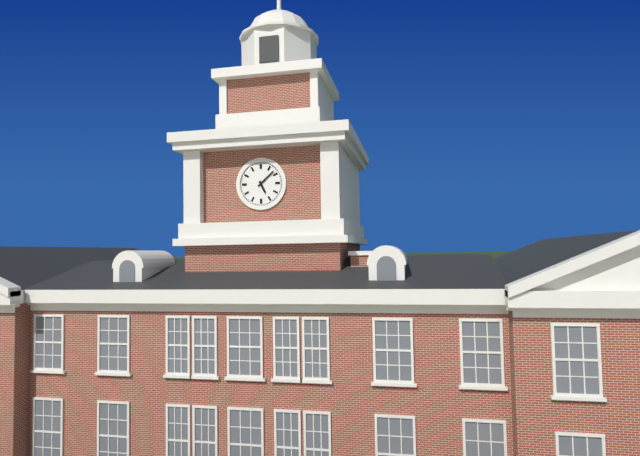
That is h=5 m=8
